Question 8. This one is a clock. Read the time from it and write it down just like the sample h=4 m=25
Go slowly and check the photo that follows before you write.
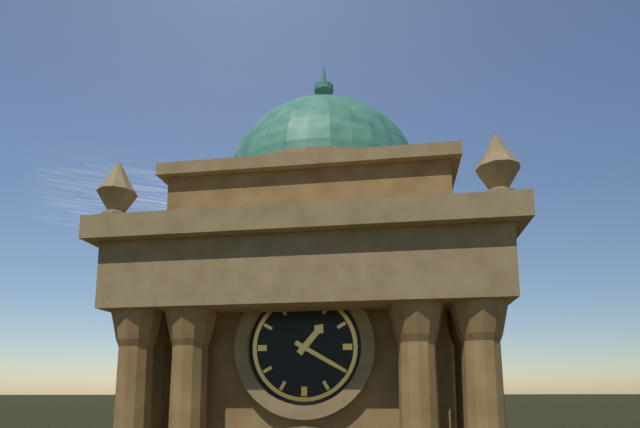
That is h=1 m=20
